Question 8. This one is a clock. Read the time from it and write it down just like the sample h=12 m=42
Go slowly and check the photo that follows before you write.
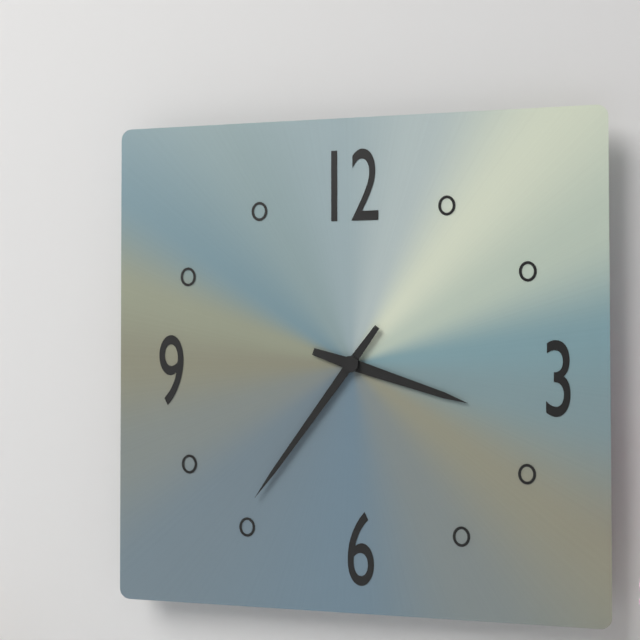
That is h=3 m=36
